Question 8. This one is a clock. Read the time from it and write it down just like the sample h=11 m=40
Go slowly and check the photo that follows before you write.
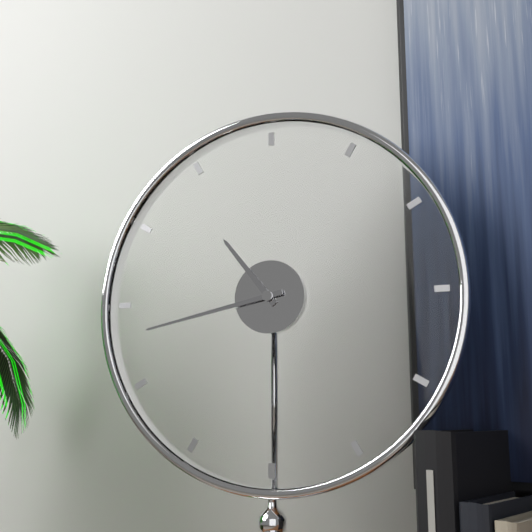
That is h=10 m=43
